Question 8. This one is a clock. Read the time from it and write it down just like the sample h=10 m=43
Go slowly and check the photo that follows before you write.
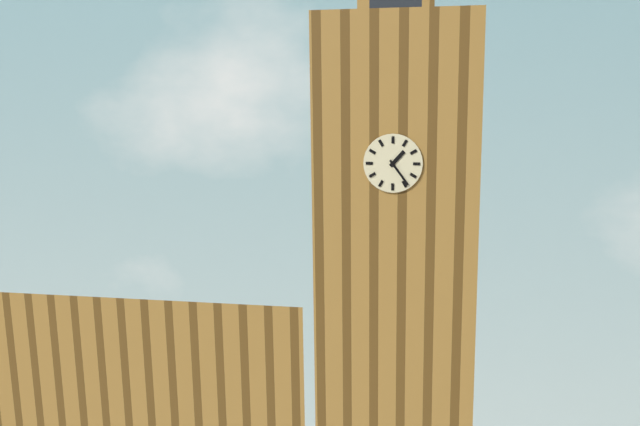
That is h=1 m=24
